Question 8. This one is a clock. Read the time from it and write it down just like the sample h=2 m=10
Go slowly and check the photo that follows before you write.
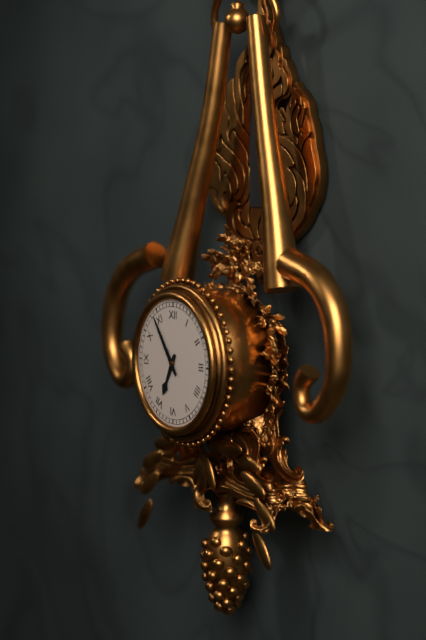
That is h=6 m=54
